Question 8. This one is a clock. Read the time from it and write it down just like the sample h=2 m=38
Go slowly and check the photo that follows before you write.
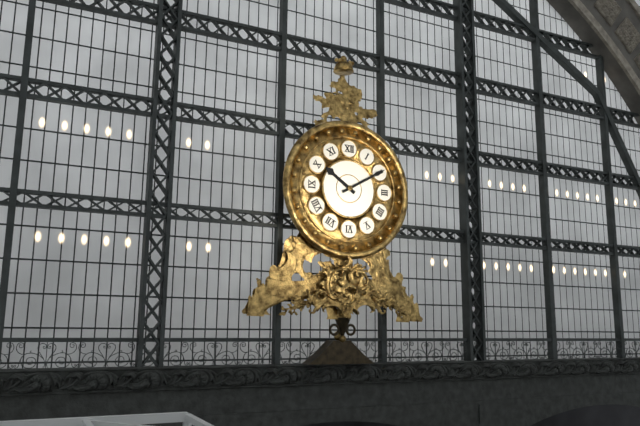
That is h=10 m=10
